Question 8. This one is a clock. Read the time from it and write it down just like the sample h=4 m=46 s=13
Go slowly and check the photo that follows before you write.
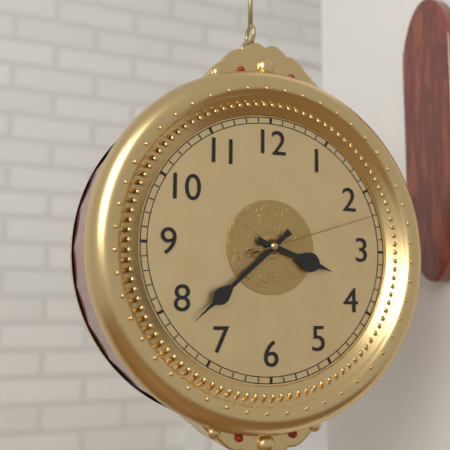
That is h=3 m=38 s=12
